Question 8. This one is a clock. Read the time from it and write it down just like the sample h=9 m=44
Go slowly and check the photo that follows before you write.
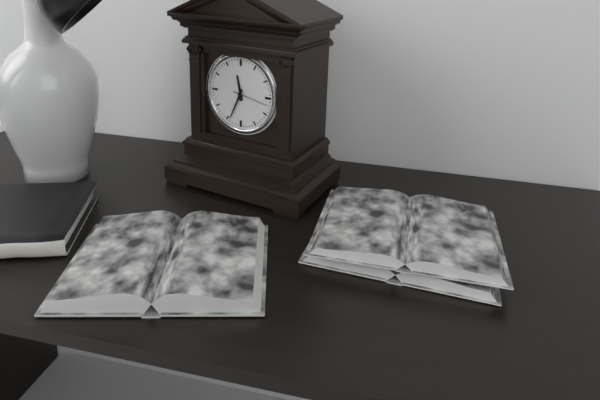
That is h=11 m=34
